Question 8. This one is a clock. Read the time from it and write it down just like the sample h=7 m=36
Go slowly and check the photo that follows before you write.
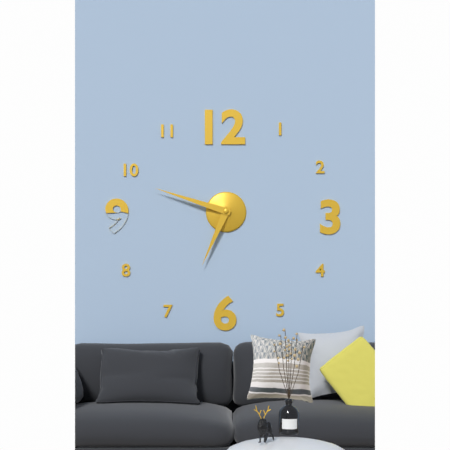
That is h=6 m=48
